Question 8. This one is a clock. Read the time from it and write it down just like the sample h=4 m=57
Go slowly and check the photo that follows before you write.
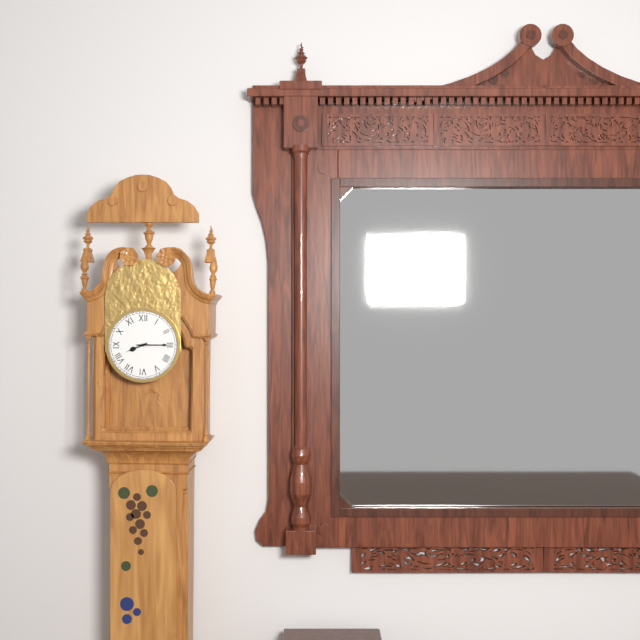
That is h=8 m=15
